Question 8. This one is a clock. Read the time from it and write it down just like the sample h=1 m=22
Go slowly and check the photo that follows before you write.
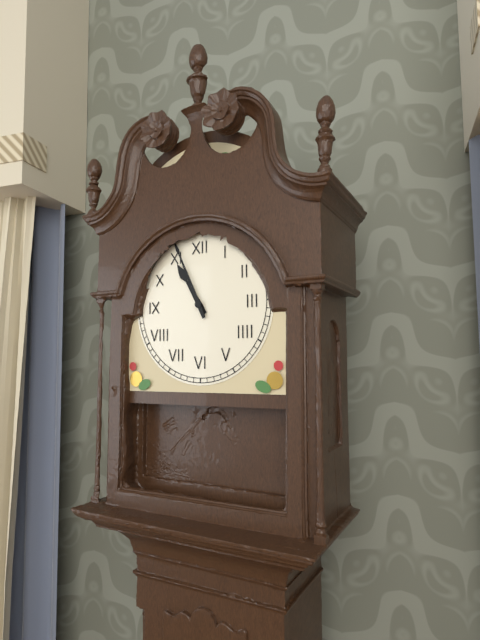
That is h=10 m=56
